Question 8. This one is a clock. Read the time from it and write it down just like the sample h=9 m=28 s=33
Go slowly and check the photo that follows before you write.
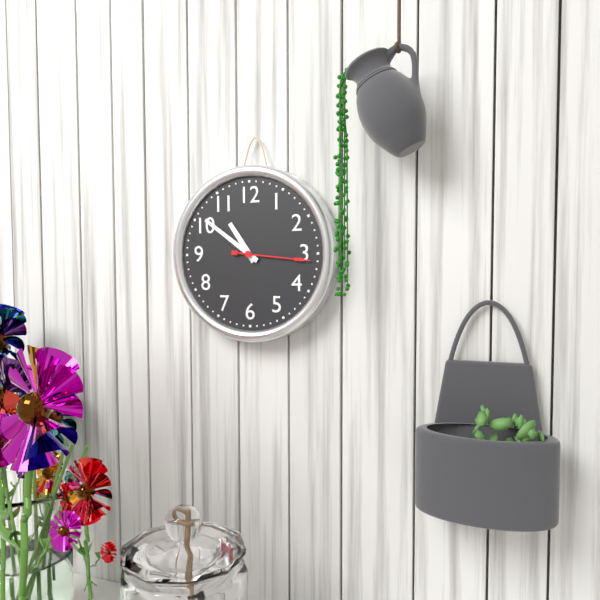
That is h=10 m=51 s=16
